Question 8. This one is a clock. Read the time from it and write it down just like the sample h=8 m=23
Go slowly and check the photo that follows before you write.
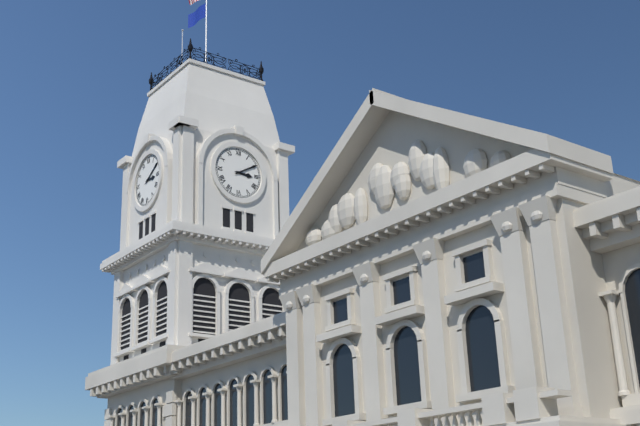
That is h=3 m=10
